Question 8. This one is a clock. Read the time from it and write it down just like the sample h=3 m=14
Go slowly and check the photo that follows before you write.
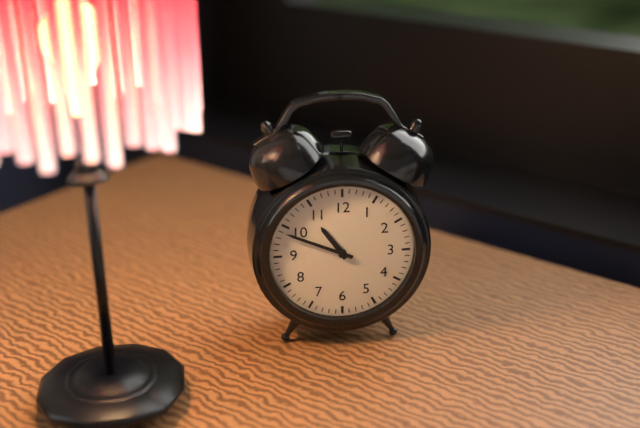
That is h=10 m=49
